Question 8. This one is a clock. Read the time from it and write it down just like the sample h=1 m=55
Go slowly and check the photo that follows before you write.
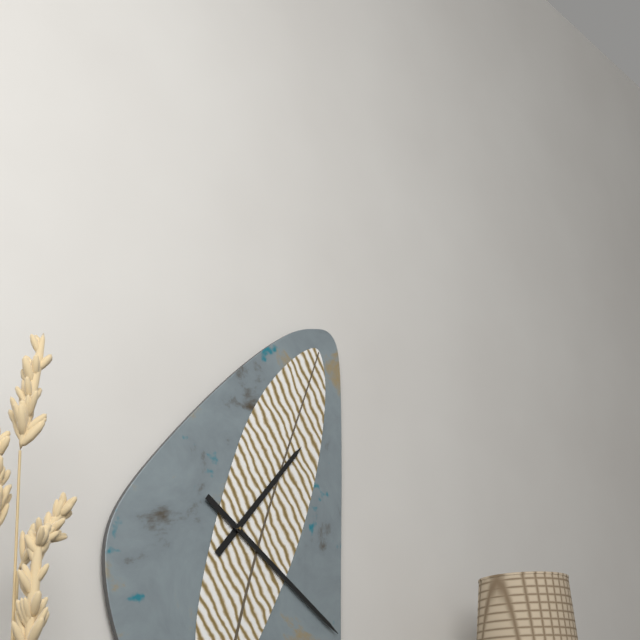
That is h=1 m=21
